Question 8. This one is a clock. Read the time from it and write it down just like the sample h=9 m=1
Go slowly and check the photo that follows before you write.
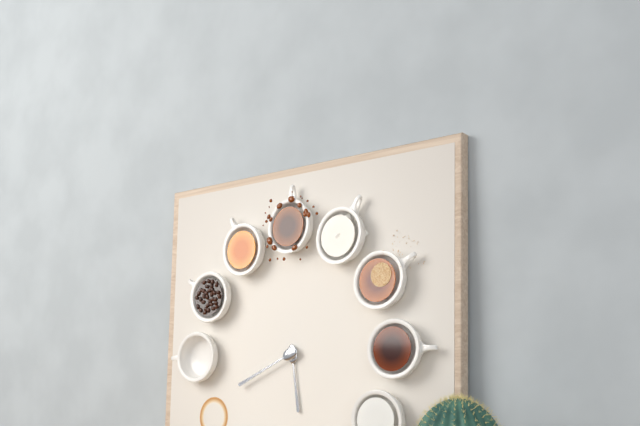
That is h=5 m=41
